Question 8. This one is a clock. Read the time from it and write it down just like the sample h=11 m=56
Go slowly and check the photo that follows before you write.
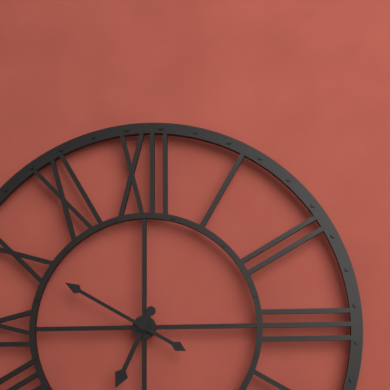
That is h=6 m=50
